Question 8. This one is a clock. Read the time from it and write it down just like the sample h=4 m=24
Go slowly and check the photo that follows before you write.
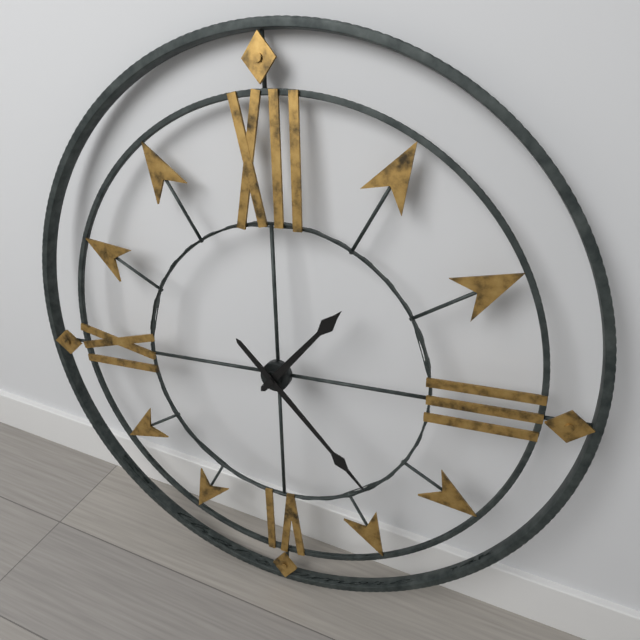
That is h=1 m=23
